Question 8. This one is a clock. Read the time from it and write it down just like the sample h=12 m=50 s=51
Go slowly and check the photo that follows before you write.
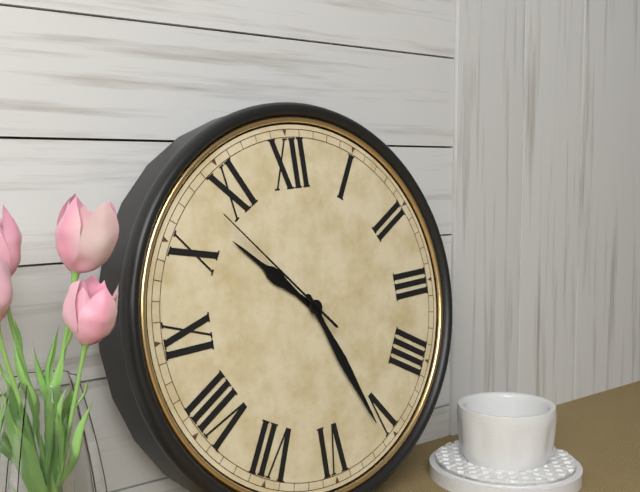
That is h=10 m=26 s=53
